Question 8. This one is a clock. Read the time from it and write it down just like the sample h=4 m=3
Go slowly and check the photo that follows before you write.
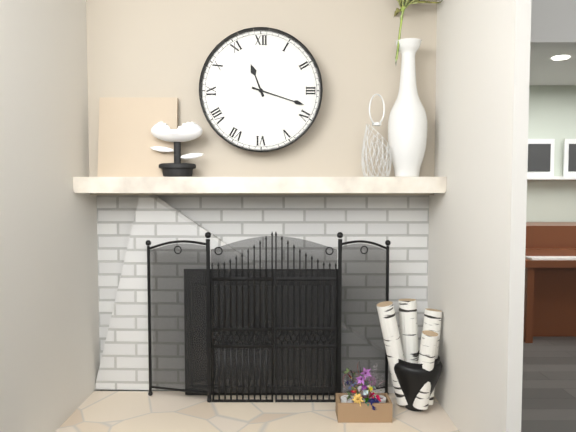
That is h=11 m=18
